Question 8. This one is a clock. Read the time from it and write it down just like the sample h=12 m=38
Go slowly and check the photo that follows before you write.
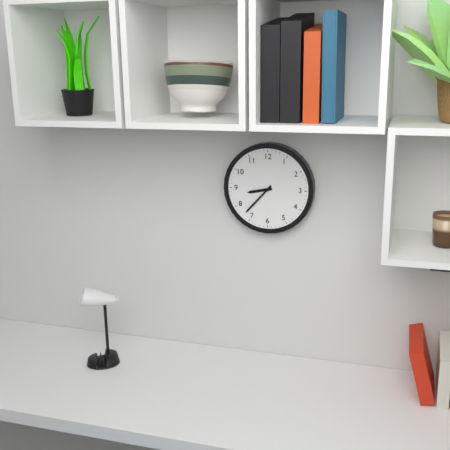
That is h=8 m=37
